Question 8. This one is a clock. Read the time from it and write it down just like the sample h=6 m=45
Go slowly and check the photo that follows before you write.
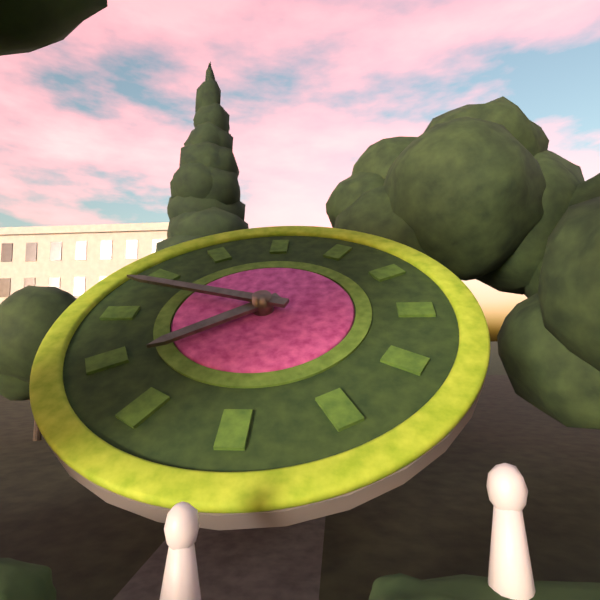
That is h=7 m=48
